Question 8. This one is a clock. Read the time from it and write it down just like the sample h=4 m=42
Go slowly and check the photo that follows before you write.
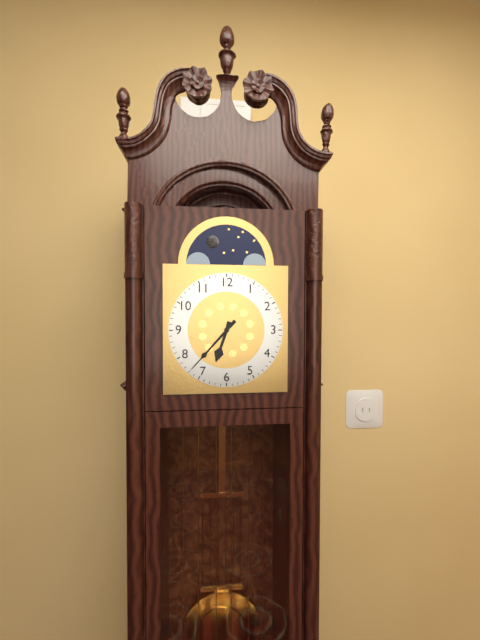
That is h=6 m=37
